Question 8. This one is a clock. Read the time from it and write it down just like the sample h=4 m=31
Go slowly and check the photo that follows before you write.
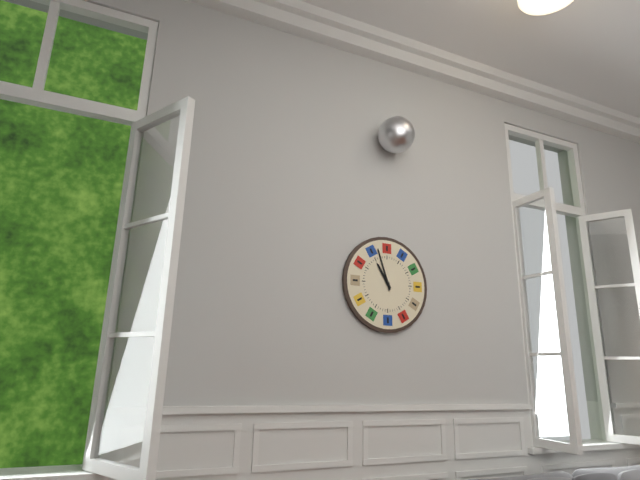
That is h=10 m=57
